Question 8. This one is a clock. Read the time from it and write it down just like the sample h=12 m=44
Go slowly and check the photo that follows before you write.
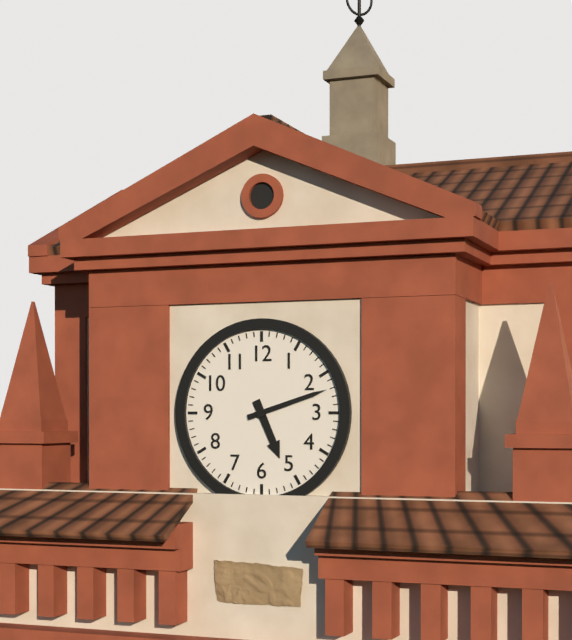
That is h=5 m=12
